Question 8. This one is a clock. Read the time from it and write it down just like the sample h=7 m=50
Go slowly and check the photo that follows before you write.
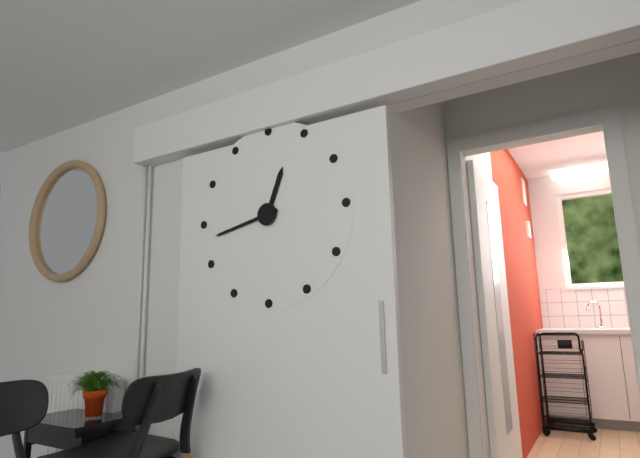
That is h=12 m=43
